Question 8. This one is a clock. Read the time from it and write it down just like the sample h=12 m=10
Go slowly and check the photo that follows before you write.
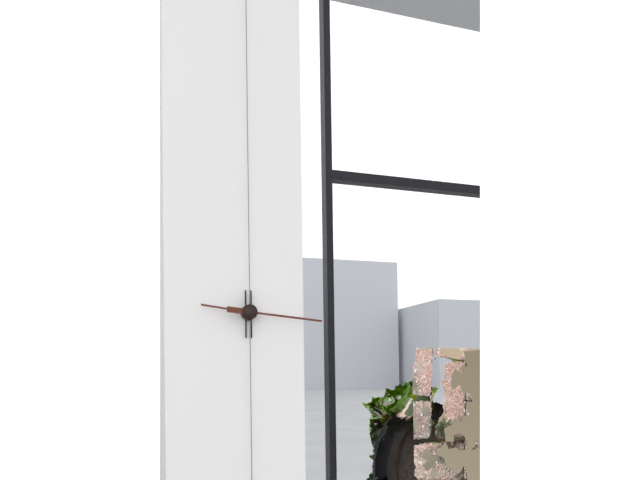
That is h=9 m=16
